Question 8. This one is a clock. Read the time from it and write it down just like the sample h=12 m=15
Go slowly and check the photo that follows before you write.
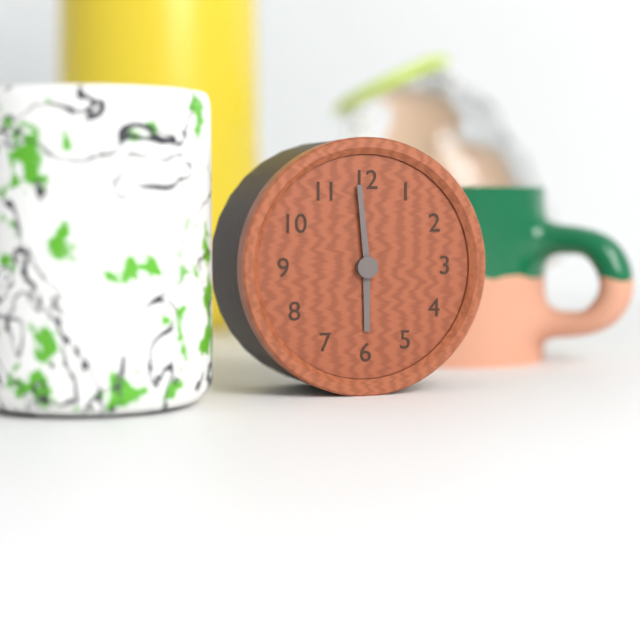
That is h=5 m=59
